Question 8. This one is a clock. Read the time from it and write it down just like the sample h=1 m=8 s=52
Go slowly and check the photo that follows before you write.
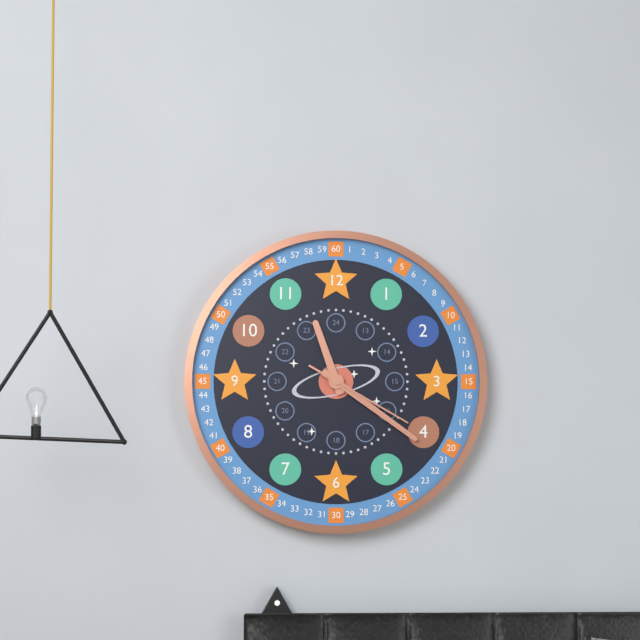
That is h=11 m=21 s=20
